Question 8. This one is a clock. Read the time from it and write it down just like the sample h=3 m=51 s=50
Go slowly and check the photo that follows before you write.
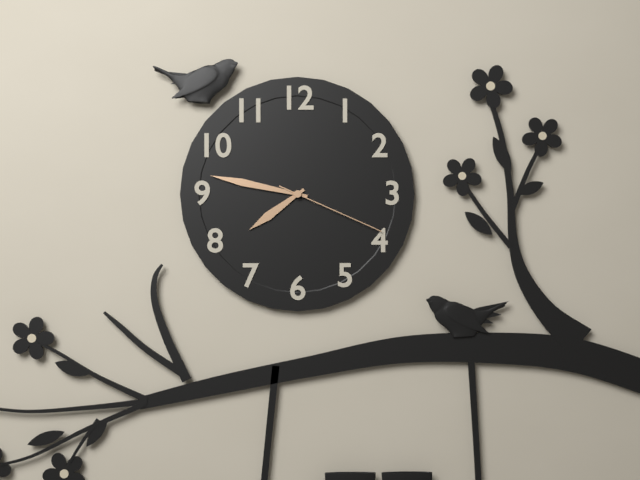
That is h=7 m=47 s=19
